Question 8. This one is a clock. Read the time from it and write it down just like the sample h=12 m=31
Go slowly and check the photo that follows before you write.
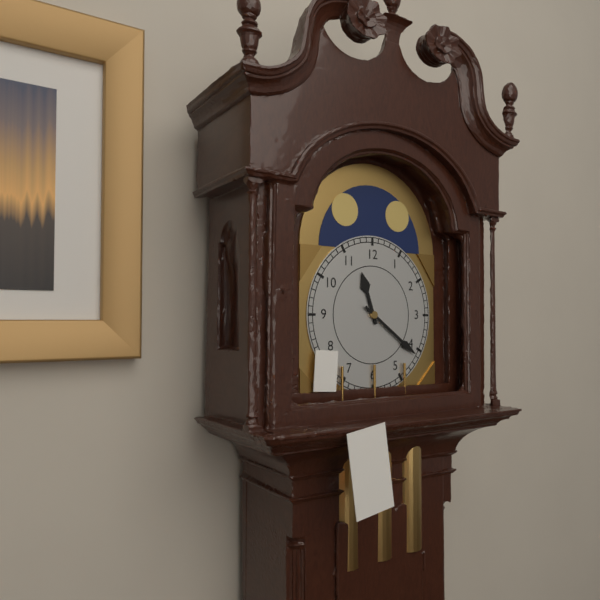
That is h=11 m=21
